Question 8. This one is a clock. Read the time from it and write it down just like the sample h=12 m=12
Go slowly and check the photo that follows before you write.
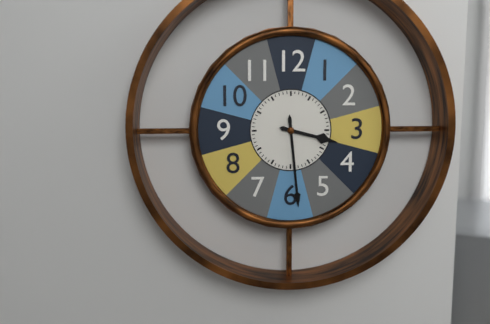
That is h=3 m=29
